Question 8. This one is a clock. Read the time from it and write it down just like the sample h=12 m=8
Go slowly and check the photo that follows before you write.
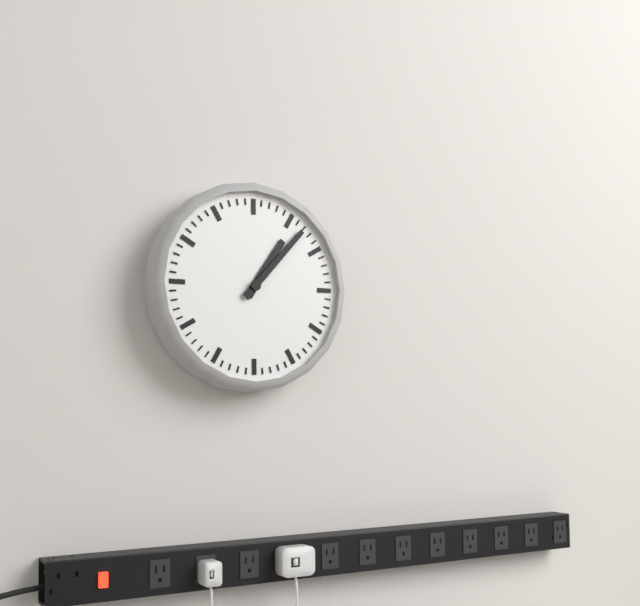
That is h=1 m=7
